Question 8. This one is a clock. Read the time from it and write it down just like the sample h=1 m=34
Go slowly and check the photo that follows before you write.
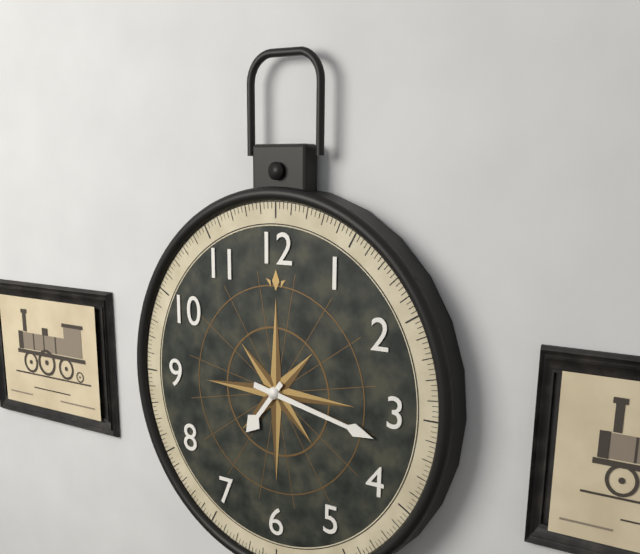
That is h=7 m=17
